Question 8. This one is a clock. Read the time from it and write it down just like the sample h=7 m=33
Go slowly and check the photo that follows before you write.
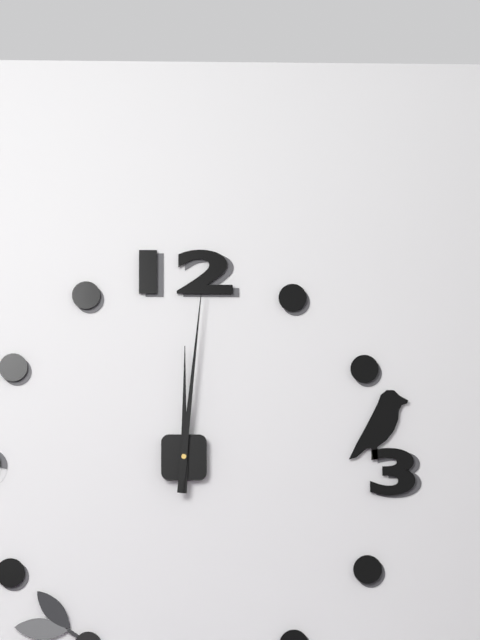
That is h=12 m=1
